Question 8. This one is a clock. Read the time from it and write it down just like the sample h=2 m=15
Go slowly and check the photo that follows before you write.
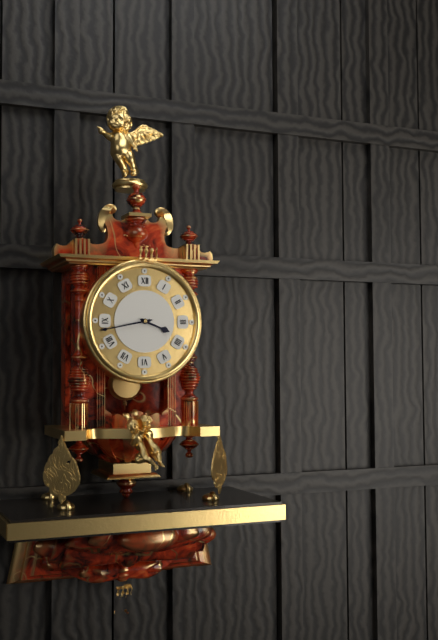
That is h=3 m=43
